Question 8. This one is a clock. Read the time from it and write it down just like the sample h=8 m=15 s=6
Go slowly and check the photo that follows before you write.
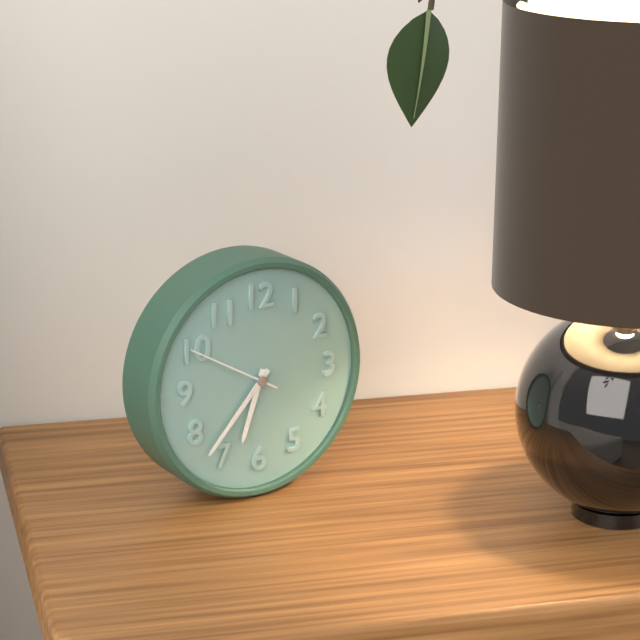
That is h=6 m=37 s=50
